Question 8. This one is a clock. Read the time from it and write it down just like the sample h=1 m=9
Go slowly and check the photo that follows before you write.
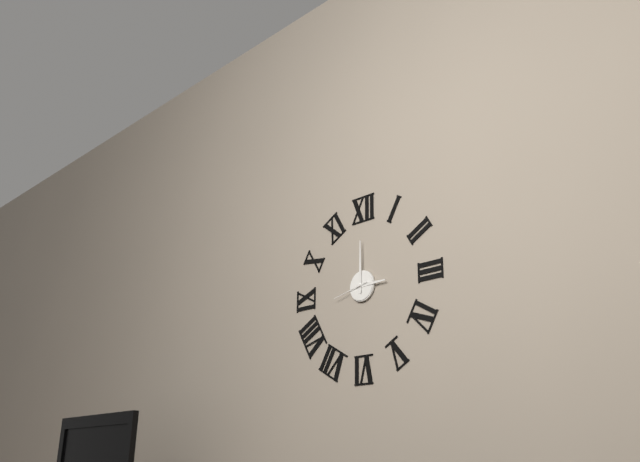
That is h=3 m=0
